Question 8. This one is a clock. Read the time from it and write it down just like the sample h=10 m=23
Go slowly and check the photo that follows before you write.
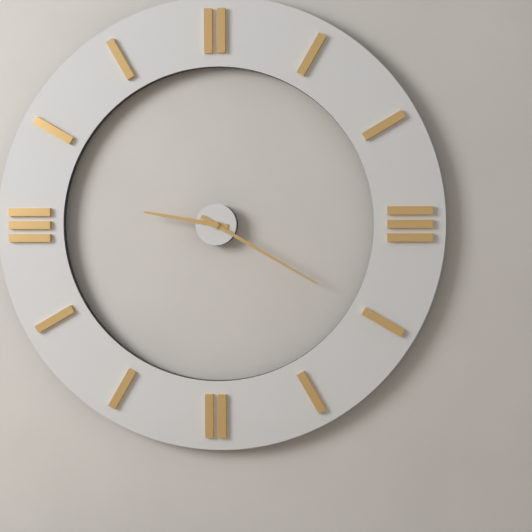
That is h=9 m=20
